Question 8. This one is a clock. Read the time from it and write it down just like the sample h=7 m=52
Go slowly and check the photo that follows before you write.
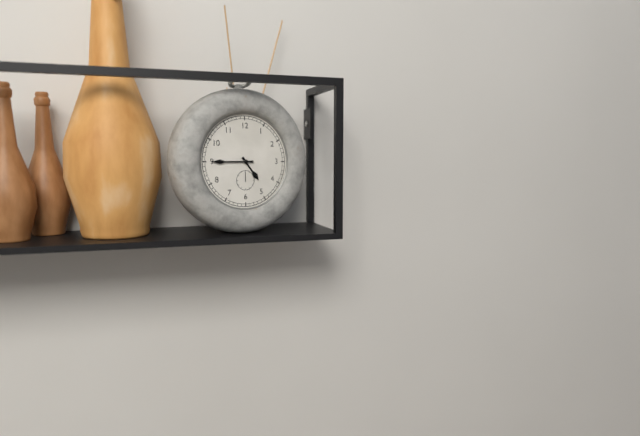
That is h=4 m=45
